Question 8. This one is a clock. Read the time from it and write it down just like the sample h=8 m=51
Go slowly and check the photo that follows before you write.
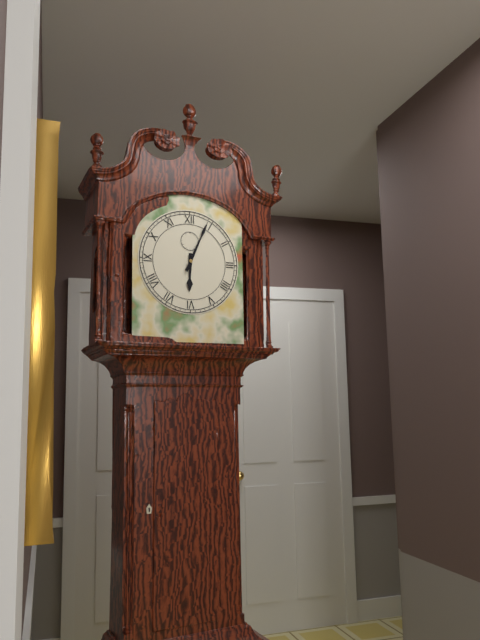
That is h=6 m=4
